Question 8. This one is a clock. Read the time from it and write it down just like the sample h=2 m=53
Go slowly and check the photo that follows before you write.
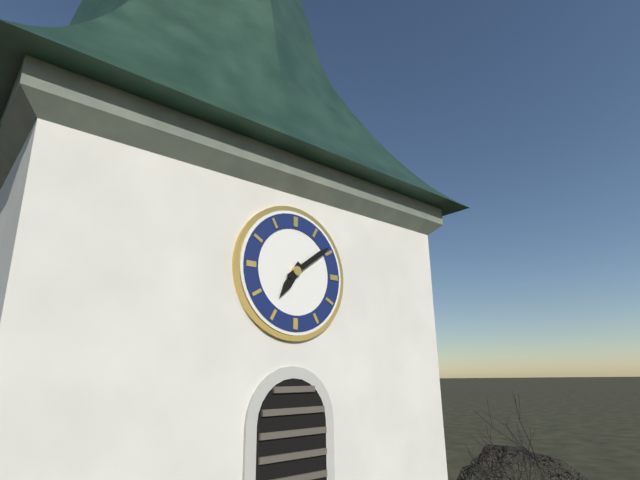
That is h=7 m=9
